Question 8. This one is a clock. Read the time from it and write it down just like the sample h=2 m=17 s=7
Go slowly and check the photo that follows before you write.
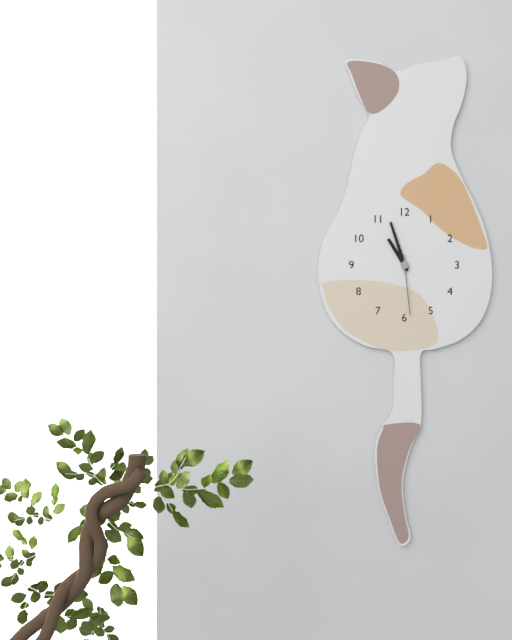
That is h=10 m=57 s=29
